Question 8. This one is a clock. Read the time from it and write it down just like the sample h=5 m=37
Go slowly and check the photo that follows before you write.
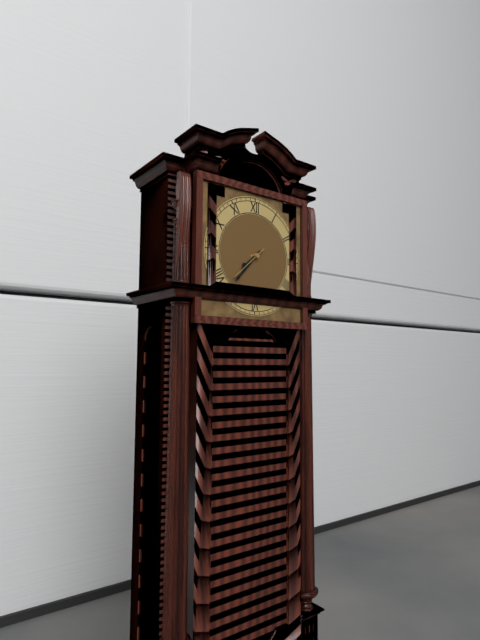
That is h=7 m=37
